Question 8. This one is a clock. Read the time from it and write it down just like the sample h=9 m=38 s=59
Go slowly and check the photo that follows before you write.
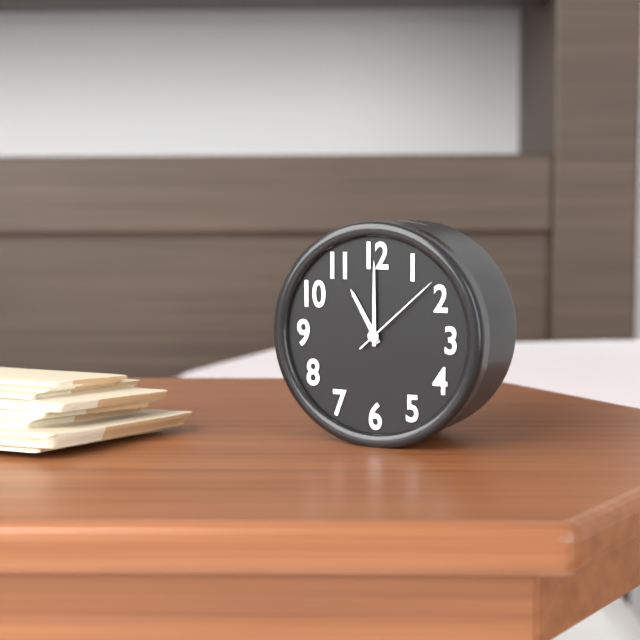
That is h=11 m=0 s=8
